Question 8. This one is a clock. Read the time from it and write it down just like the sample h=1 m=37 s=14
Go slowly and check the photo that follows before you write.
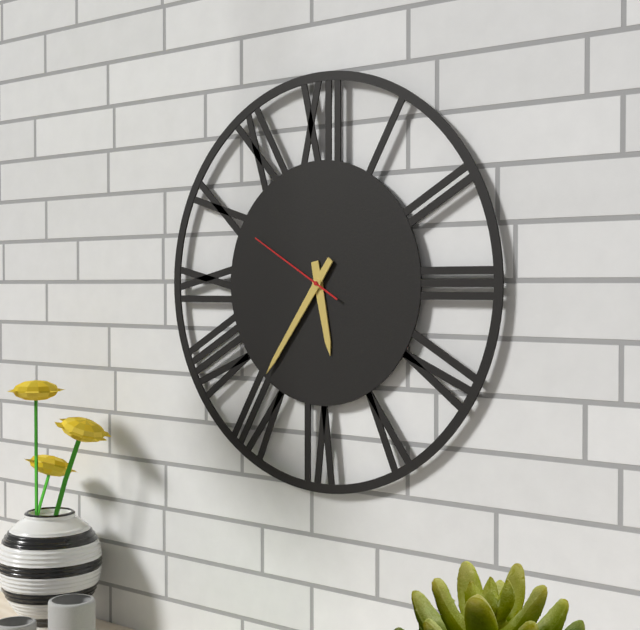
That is h=5 m=36 s=50
